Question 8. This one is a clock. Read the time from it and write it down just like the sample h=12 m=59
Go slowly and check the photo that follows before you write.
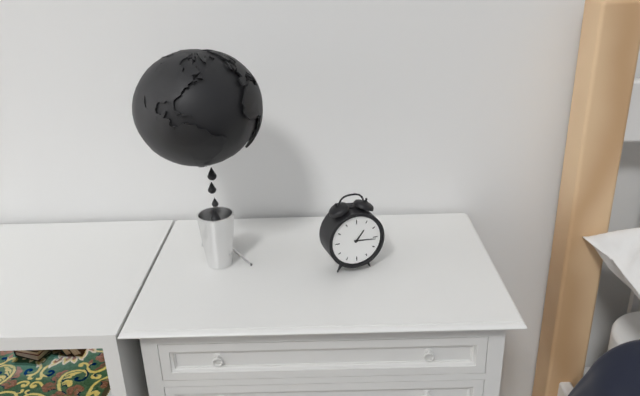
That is h=1 m=16
